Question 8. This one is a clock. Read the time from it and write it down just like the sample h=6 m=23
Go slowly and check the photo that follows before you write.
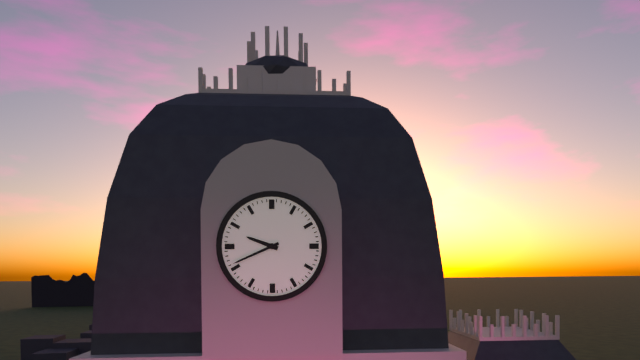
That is h=9 m=41
